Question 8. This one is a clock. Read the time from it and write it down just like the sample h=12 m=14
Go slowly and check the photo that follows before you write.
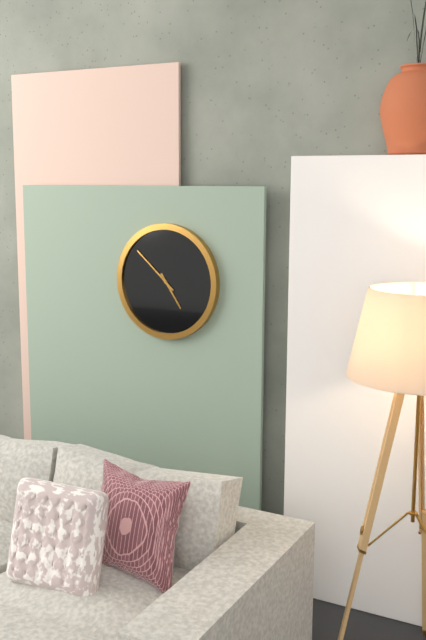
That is h=4 m=52
